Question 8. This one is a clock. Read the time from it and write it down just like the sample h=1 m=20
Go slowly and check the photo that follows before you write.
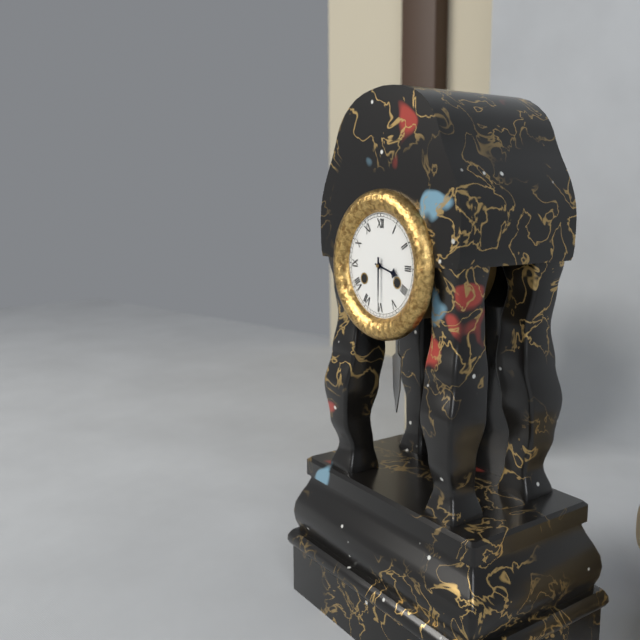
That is h=3 m=30
